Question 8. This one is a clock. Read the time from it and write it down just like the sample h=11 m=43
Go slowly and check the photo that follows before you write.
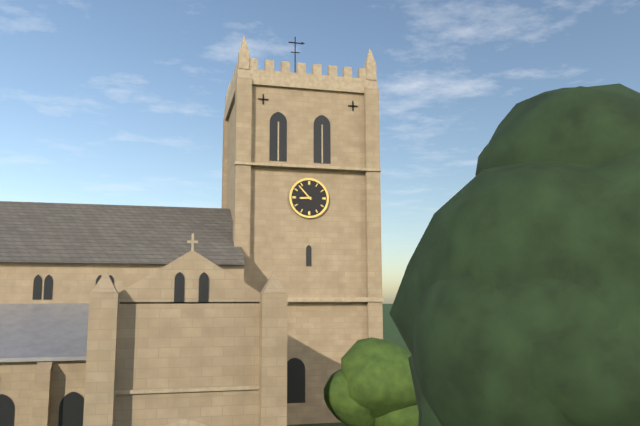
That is h=8 m=53
